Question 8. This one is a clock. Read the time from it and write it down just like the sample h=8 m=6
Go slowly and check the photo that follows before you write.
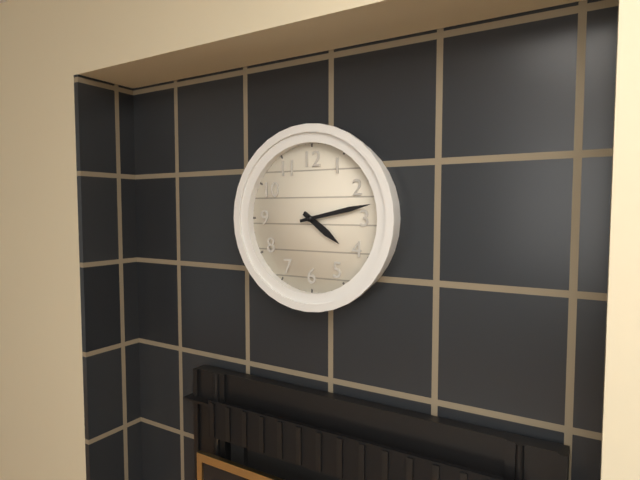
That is h=4 m=13
